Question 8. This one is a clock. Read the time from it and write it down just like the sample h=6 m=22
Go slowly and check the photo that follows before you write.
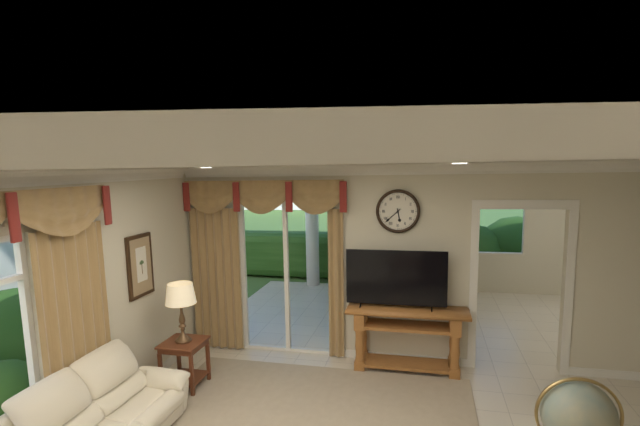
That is h=5 m=38
